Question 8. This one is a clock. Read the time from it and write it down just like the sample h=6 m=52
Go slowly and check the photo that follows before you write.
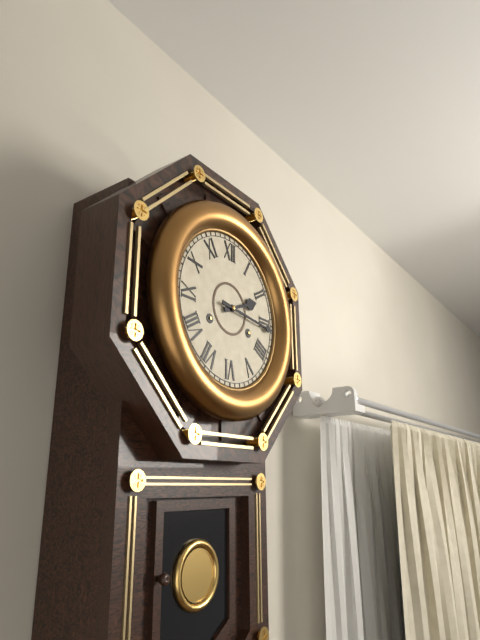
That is h=2 m=16
